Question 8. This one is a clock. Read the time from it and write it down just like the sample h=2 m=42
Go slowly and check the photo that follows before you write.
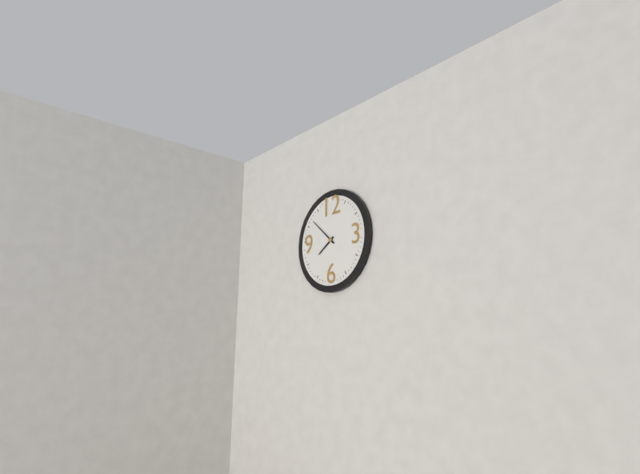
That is h=7 m=52
